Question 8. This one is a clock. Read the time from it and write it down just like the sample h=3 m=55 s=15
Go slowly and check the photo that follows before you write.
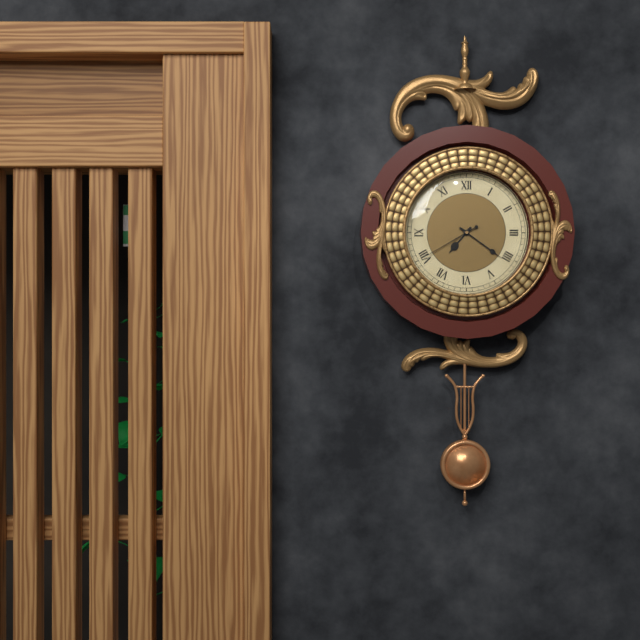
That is h=7 m=21 s=40
